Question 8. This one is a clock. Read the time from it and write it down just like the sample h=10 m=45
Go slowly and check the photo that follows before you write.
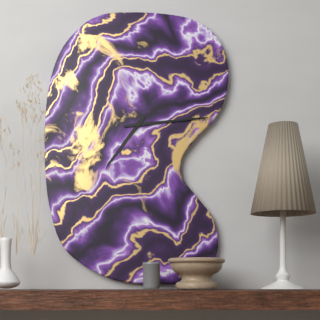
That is h=7 m=14
